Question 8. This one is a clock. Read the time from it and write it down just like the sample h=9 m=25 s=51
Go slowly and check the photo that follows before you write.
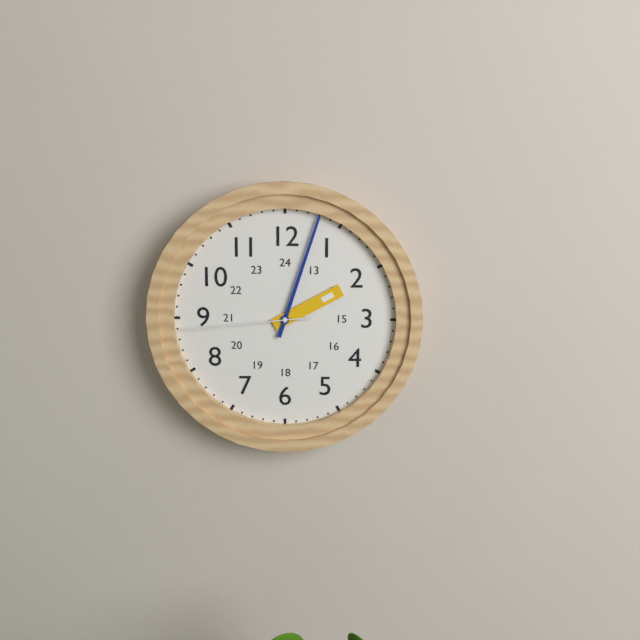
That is h=2 m=3 s=44
